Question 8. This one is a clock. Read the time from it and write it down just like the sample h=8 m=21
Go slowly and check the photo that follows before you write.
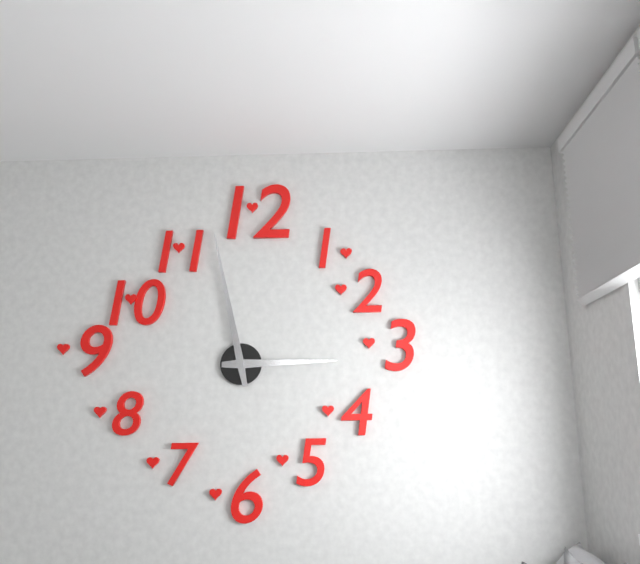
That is h=2 m=58
